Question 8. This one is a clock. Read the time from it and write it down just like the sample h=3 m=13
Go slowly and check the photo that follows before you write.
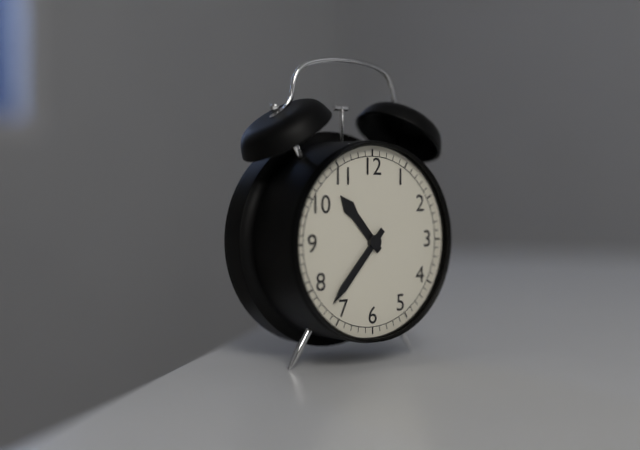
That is h=10 m=37
